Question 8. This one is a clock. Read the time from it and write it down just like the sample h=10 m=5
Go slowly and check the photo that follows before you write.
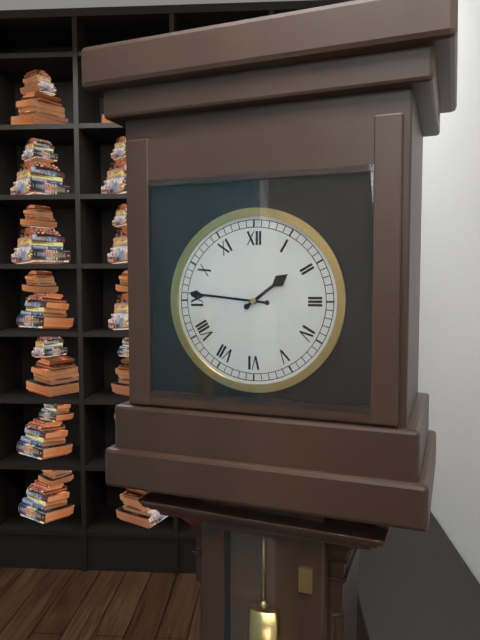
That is h=1 m=46
